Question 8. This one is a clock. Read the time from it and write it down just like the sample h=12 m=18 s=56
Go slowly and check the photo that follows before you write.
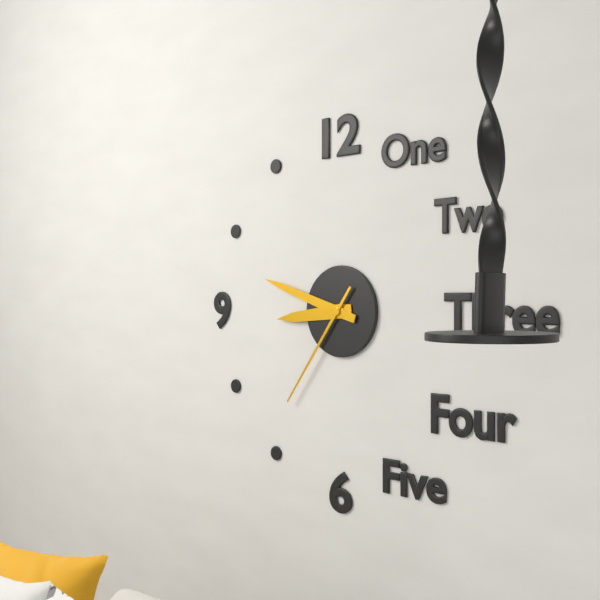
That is h=8 m=48 s=36
